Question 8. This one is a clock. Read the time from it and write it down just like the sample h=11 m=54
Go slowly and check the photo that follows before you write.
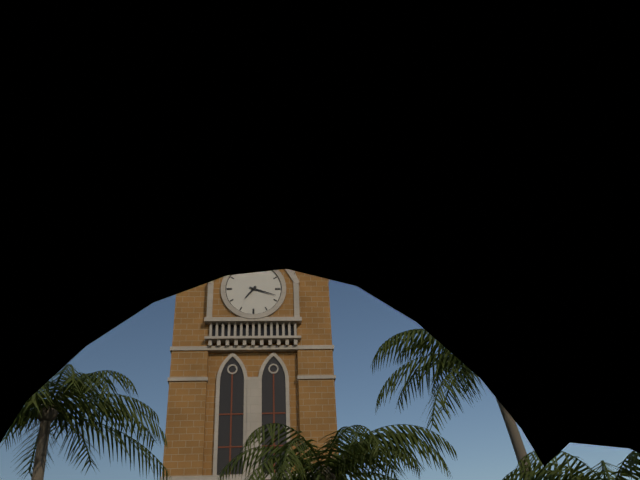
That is h=7 m=18
